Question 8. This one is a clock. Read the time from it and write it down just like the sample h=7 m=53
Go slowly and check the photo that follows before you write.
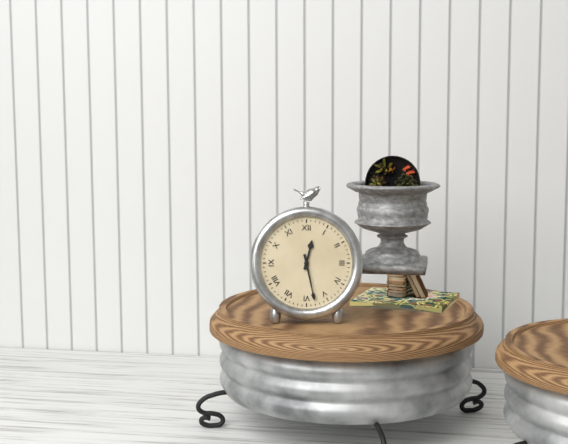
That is h=12 m=28
